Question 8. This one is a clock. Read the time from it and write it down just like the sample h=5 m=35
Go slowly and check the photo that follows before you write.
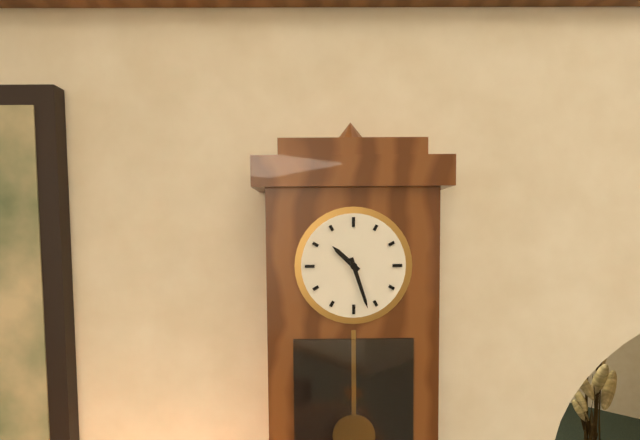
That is h=10 m=27
